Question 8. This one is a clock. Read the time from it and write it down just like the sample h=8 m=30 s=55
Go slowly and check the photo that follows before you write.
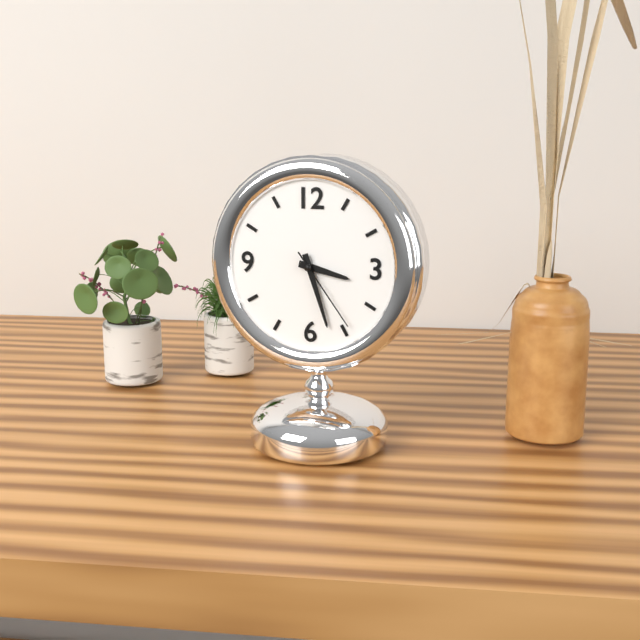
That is h=3 m=27 s=24
